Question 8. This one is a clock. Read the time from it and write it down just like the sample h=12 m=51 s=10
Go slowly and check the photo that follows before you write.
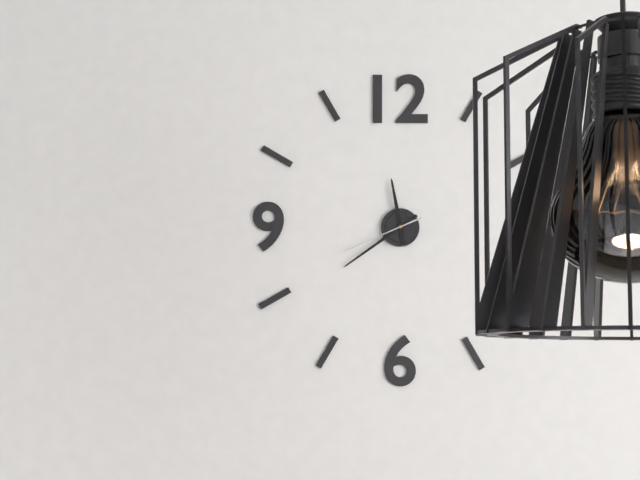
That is h=11 m=39 s=41
